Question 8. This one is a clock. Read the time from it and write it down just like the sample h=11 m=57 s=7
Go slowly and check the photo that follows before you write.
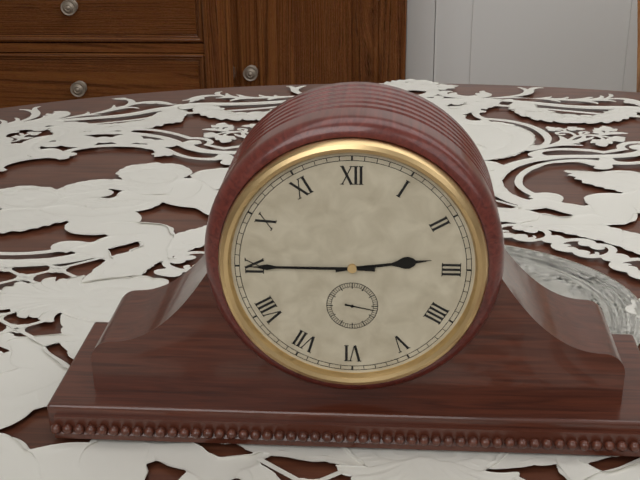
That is h=2 m=45 s=17
